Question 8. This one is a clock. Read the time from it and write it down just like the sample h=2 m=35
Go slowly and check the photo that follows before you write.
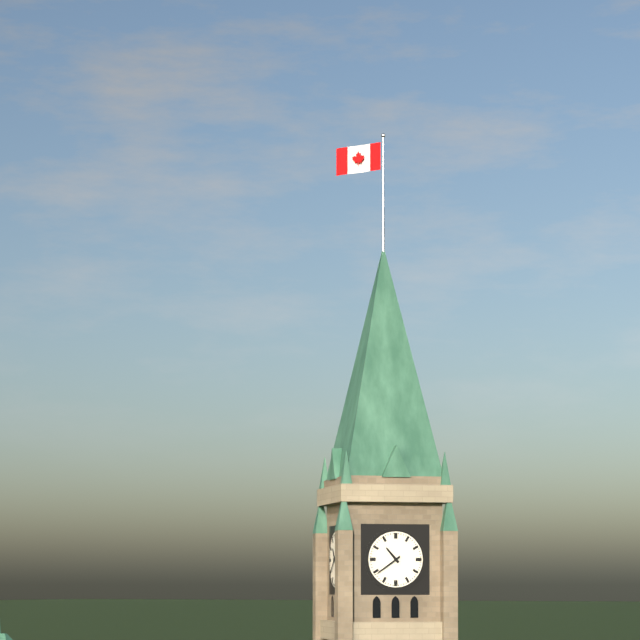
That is h=10 m=39
